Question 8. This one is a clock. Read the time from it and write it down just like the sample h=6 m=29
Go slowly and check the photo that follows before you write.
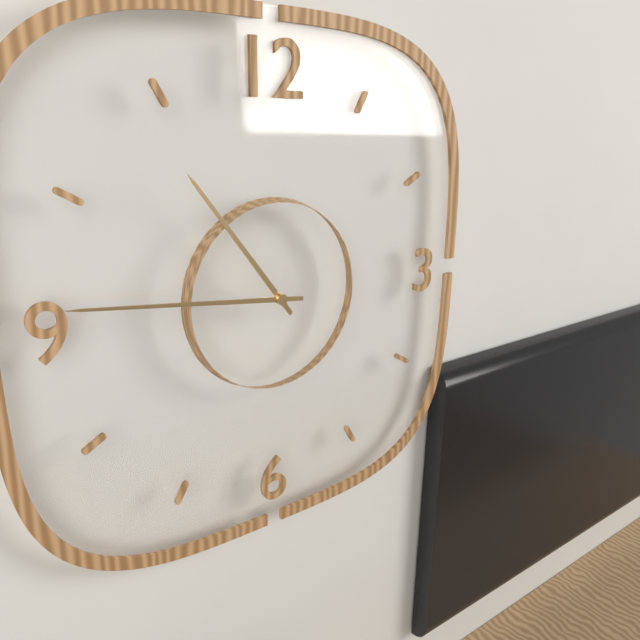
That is h=10 m=46
